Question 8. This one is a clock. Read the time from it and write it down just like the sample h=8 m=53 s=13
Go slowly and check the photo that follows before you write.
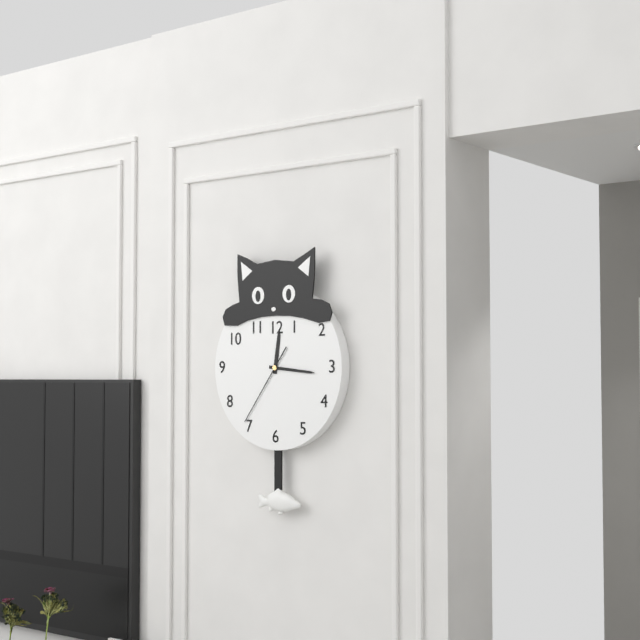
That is h=12 m=16 s=36
